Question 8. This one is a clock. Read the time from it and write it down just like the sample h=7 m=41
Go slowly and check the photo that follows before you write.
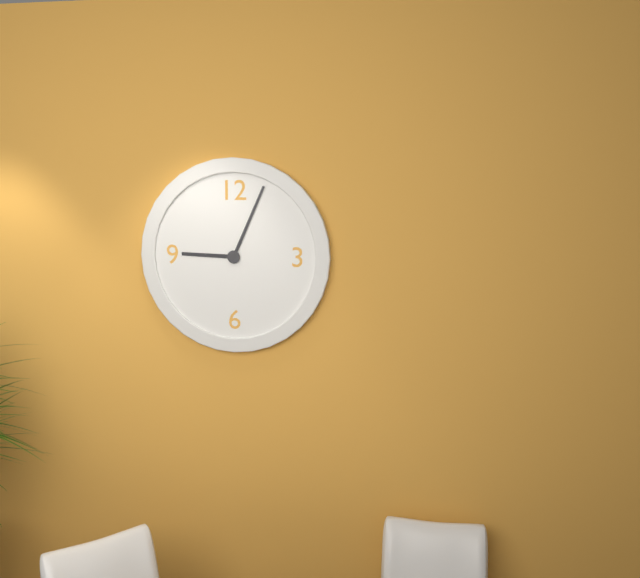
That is h=9 m=4
